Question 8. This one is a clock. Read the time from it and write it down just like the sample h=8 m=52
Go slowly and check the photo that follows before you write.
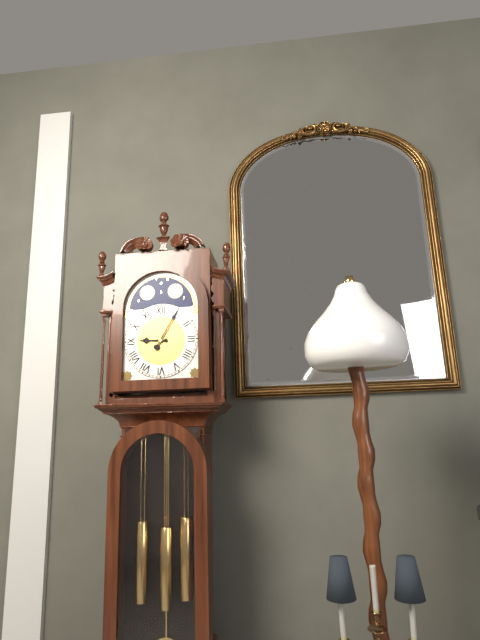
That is h=9 m=5
